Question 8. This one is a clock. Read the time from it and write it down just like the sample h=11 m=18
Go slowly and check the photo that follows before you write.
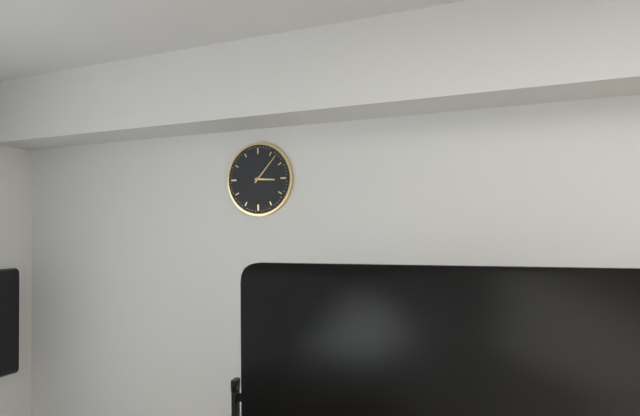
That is h=3 m=7
